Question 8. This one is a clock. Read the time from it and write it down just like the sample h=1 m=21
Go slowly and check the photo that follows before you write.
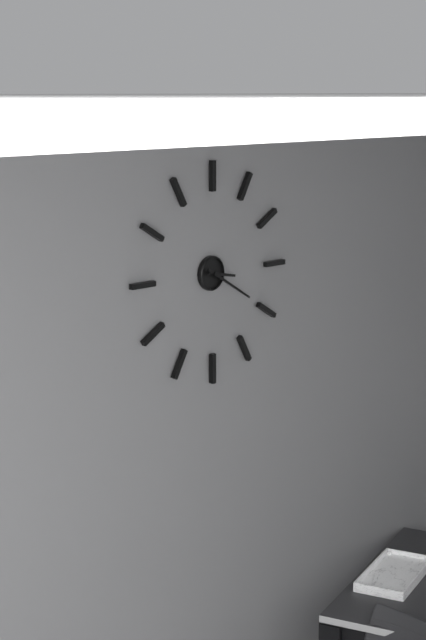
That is h=3 m=20
